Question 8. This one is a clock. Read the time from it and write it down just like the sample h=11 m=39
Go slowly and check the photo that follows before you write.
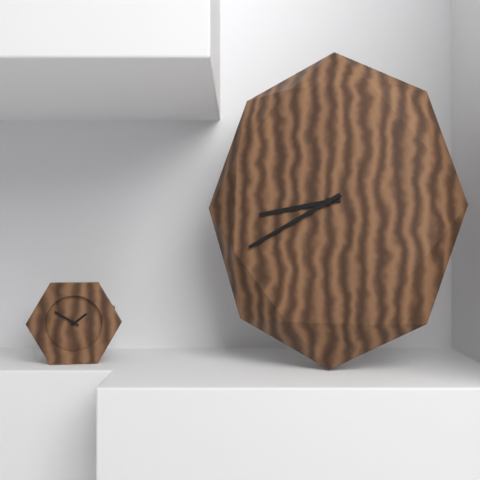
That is h=8 m=40
